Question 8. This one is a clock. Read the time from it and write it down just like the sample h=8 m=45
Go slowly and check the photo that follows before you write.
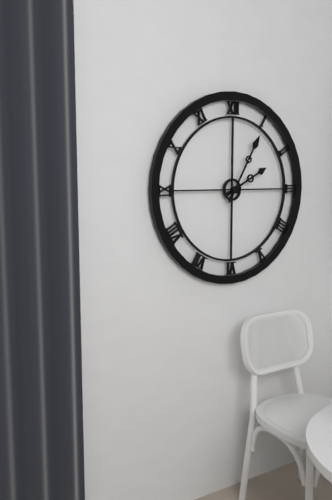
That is h=2 m=5
